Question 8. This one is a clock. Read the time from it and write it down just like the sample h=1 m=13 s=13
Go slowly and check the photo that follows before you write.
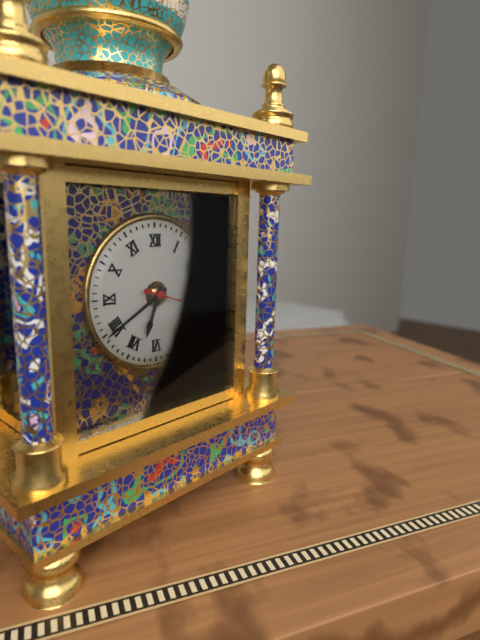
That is h=6 m=40 s=18
